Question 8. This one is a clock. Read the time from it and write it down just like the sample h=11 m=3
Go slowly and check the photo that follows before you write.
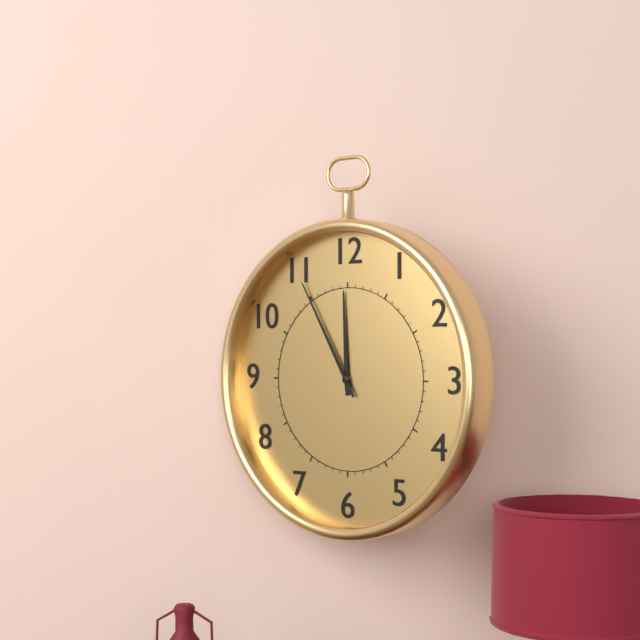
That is h=11 m=55
